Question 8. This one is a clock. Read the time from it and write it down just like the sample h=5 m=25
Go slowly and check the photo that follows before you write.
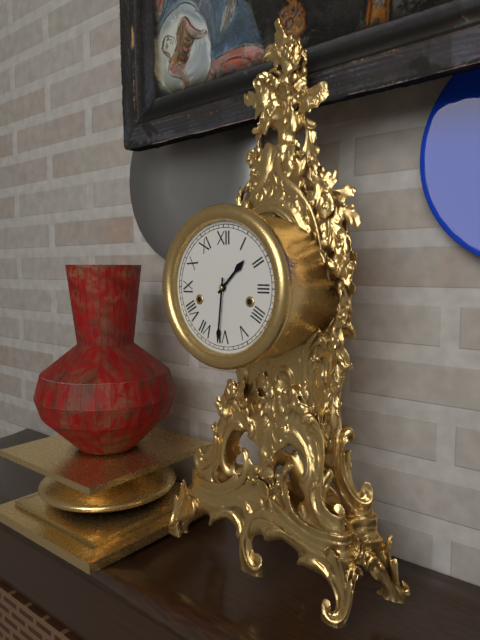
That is h=1 m=31
